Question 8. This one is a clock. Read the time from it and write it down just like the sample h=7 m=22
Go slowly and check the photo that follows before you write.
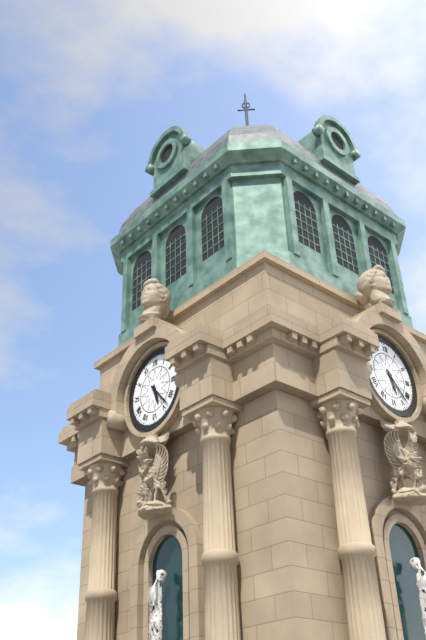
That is h=5 m=23
